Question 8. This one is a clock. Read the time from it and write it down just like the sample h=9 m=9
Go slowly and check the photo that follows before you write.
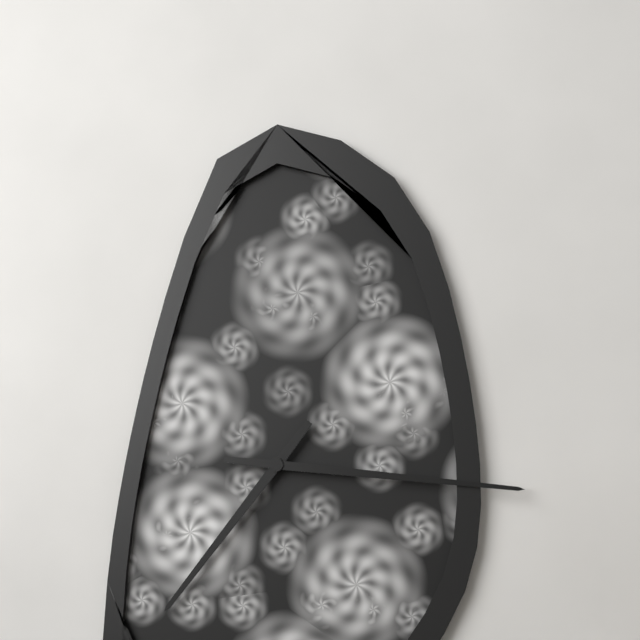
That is h=7 m=16
